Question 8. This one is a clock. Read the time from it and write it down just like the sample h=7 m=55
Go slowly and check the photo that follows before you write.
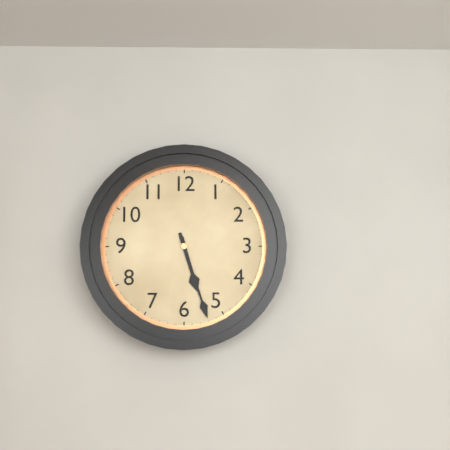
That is h=5 m=27
